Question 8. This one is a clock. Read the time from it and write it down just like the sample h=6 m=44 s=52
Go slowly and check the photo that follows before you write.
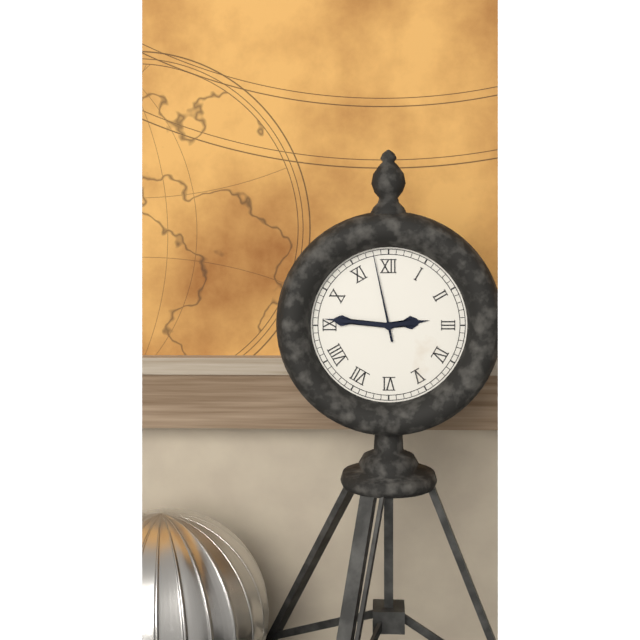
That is h=2 m=46 s=58
